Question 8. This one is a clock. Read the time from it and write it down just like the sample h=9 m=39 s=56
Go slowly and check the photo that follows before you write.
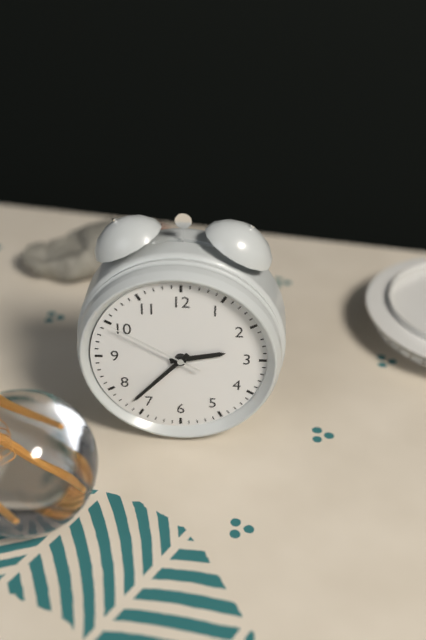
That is h=2 m=37 s=50
